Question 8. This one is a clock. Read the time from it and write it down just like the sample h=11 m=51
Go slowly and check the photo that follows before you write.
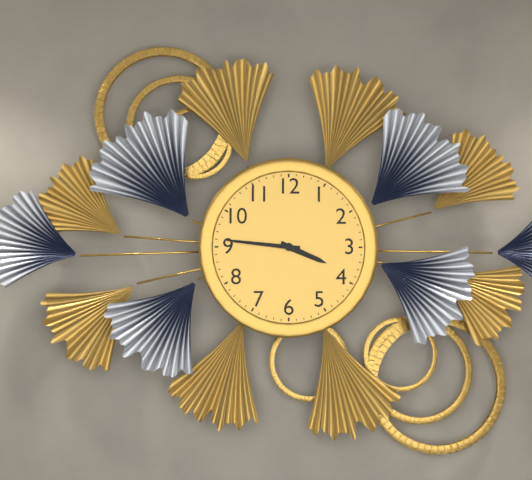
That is h=3 m=46
